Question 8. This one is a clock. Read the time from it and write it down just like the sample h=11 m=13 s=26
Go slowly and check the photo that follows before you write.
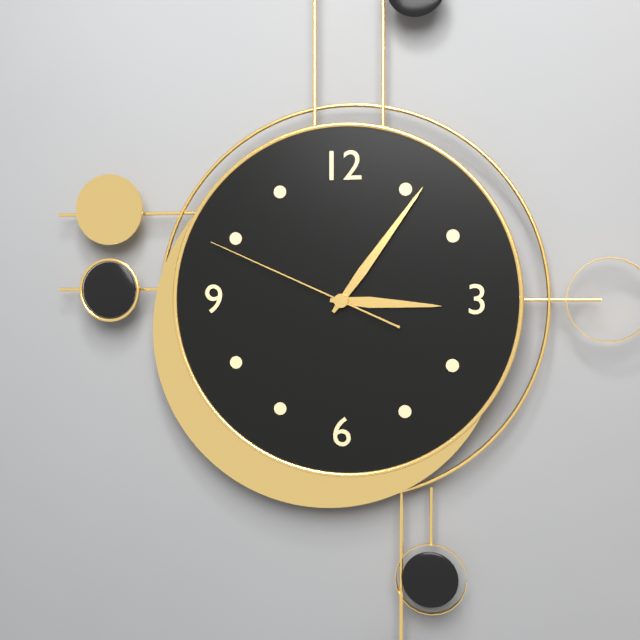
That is h=3 m=6 s=49
